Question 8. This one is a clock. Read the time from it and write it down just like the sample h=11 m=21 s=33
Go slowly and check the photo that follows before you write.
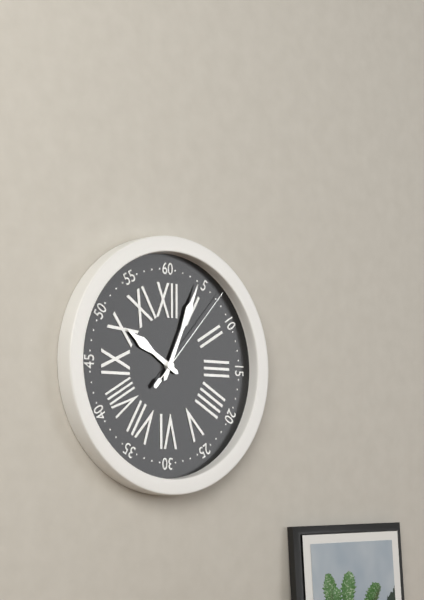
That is h=10 m=4 s=7
